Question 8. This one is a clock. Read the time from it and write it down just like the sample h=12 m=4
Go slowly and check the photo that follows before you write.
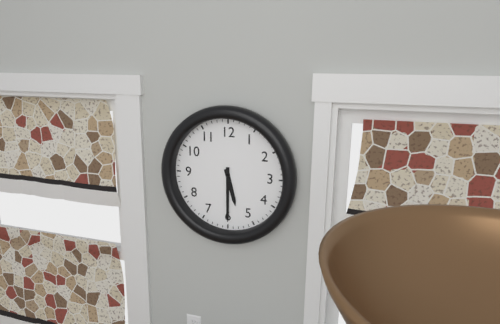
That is h=5 m=30
